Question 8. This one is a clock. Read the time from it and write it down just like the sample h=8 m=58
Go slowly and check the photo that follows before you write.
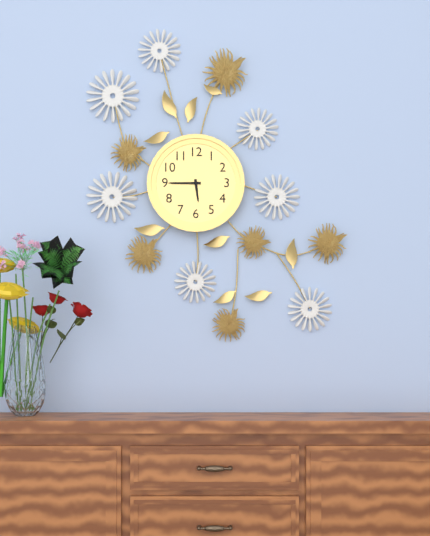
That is h=5 m=45
